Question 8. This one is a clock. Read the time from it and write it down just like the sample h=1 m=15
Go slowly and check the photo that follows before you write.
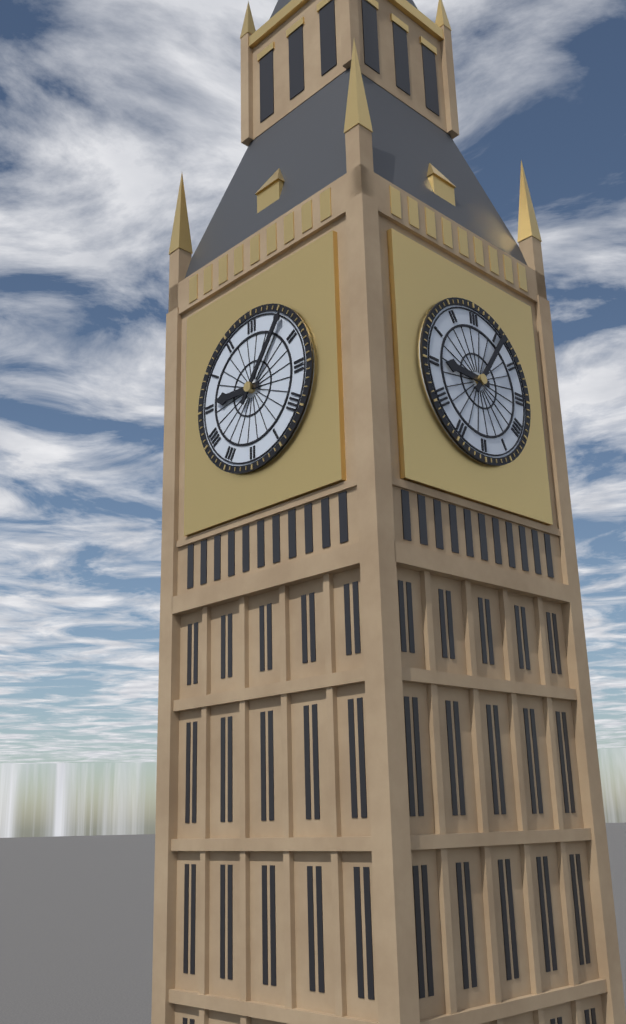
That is h=9 m=6
